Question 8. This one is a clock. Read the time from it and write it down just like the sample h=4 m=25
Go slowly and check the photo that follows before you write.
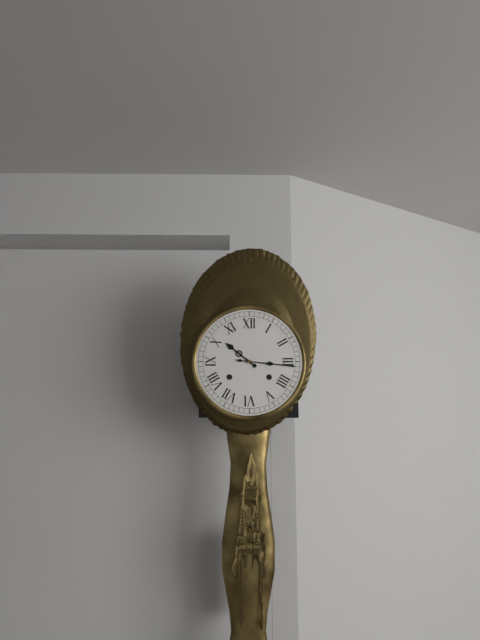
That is h=10 m=16
